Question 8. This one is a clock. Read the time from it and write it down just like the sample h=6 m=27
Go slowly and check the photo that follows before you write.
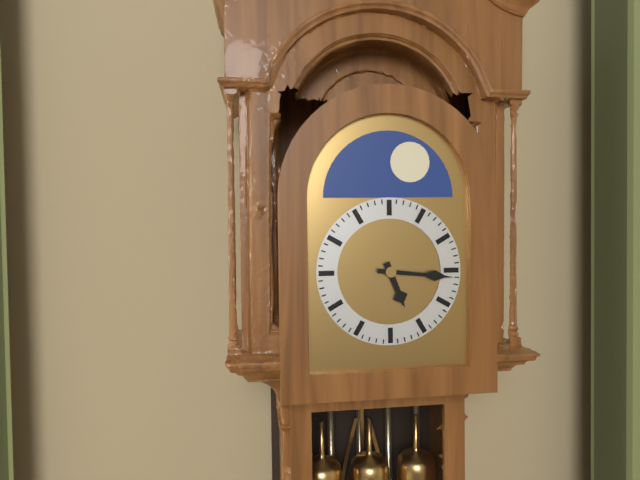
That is h=5 m=16
